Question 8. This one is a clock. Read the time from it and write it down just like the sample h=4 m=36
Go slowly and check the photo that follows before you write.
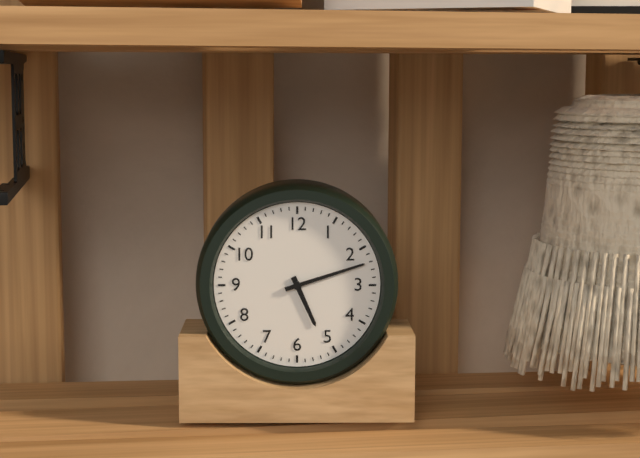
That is h=5 m=12
